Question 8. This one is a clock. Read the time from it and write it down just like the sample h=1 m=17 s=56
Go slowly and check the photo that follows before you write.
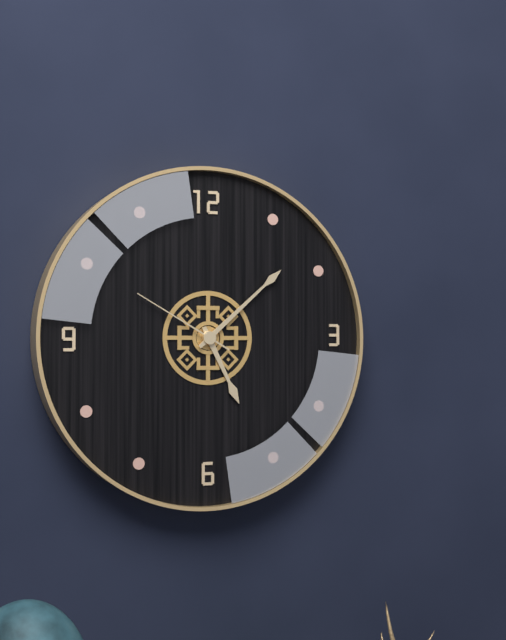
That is h=5 m=8 s=50
